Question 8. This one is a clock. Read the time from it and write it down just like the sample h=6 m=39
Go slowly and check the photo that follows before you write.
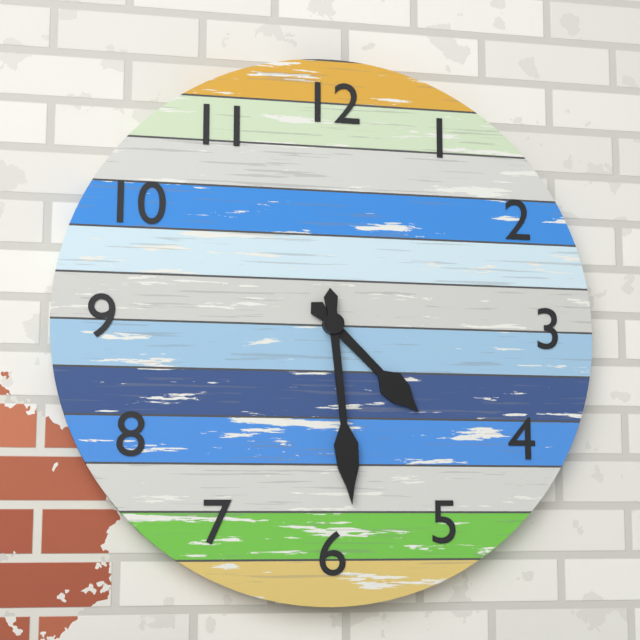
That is h=4 m=29
